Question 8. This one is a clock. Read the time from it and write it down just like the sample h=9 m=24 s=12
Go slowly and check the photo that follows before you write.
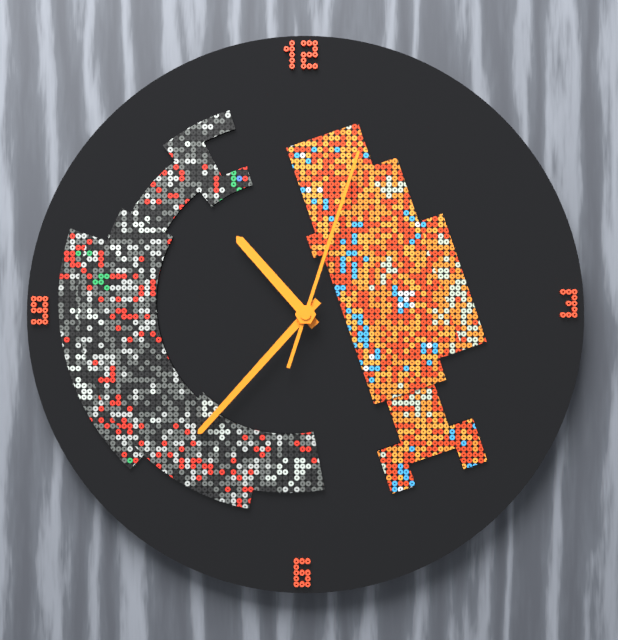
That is h=10 m=37 s=3
